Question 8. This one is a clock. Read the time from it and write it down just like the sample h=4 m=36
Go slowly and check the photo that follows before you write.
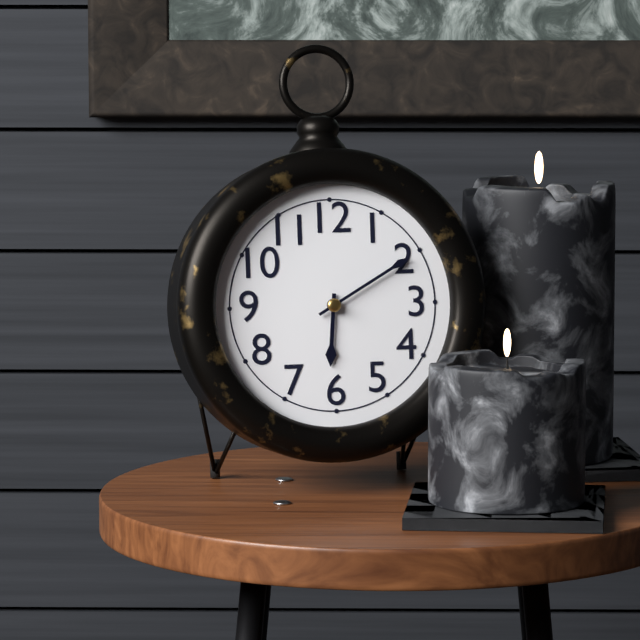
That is h=6 m=10
